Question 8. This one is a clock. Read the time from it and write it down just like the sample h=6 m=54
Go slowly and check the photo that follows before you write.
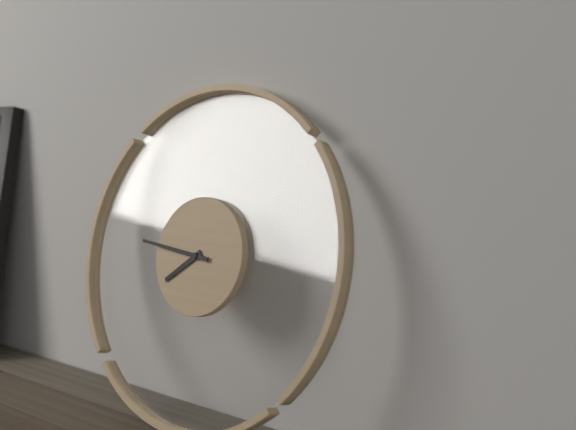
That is h=7 m=46
